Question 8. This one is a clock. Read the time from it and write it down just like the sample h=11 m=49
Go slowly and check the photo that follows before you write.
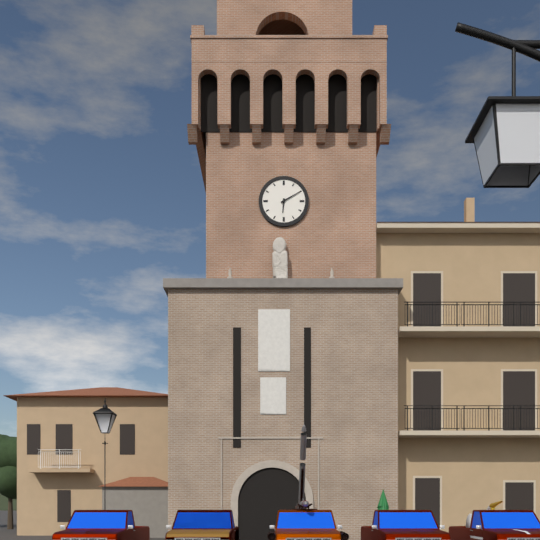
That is h=6 m=10
